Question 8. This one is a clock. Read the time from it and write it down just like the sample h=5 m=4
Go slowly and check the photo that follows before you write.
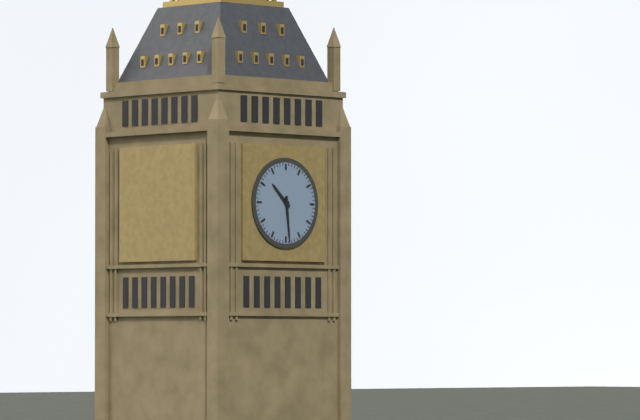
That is h=10 m=29
